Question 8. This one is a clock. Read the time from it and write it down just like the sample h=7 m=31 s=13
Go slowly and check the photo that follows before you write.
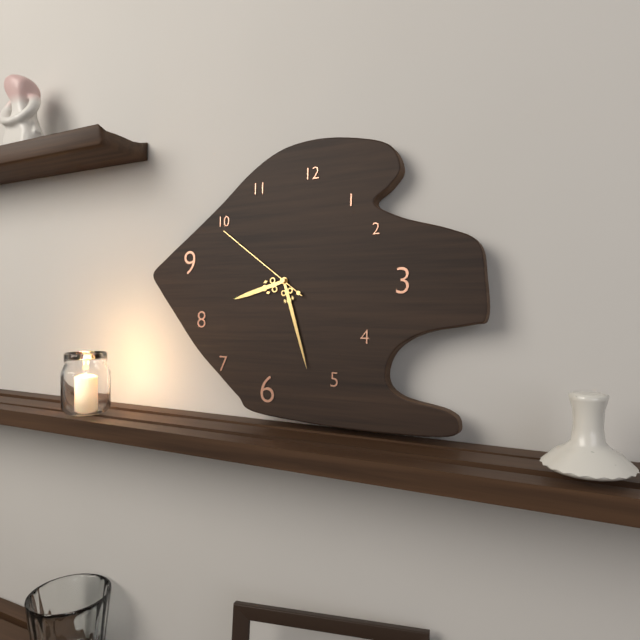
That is h=8 m=27 s=51
